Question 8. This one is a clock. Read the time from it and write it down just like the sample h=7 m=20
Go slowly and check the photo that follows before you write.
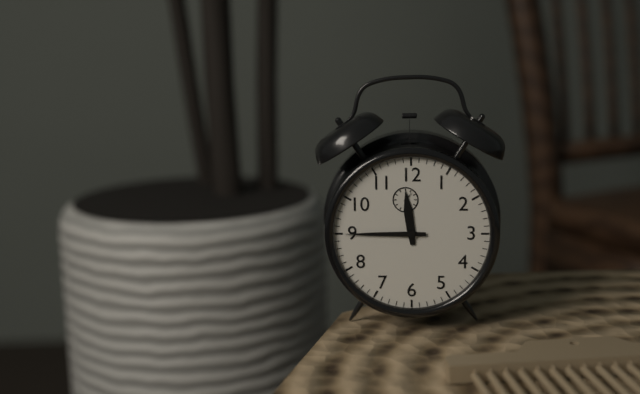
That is h=11 m=45
